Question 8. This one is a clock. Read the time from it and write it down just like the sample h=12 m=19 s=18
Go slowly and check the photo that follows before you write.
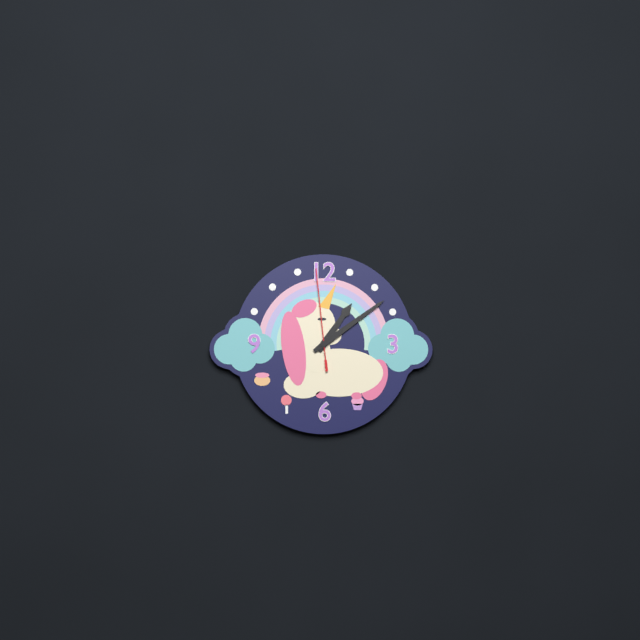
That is h=1 m=9 s=59
